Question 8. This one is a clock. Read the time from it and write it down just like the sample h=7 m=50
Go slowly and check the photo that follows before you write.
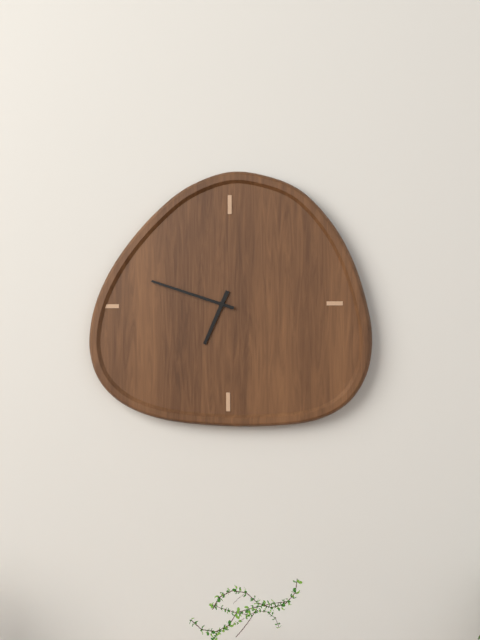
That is h=6 m=48
